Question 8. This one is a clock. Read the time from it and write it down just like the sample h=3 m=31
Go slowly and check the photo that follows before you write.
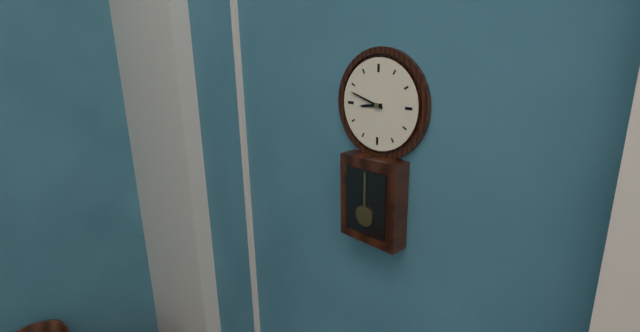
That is h=8 m=48
